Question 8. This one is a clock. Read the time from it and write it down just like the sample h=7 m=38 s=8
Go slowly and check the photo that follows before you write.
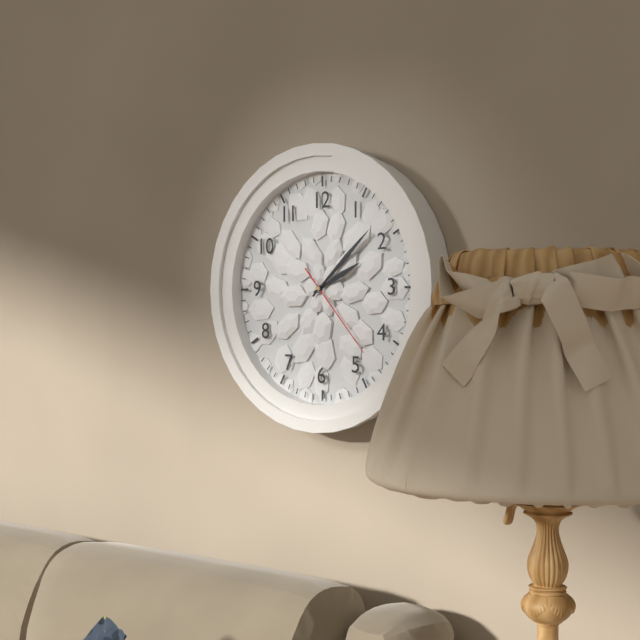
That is h=2 m=8 s=23
